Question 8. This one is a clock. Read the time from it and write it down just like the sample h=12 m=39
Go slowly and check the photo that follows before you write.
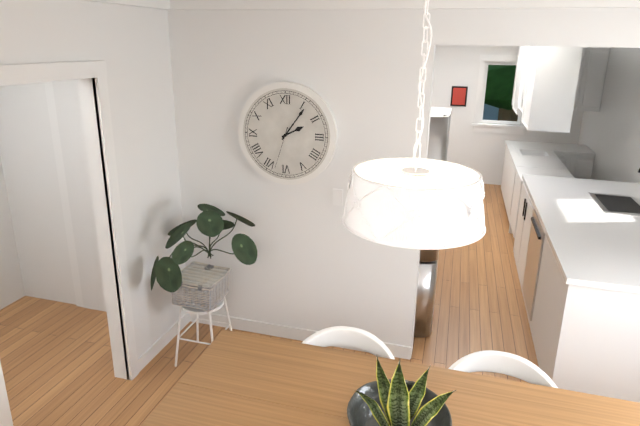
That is h=2 m=6
